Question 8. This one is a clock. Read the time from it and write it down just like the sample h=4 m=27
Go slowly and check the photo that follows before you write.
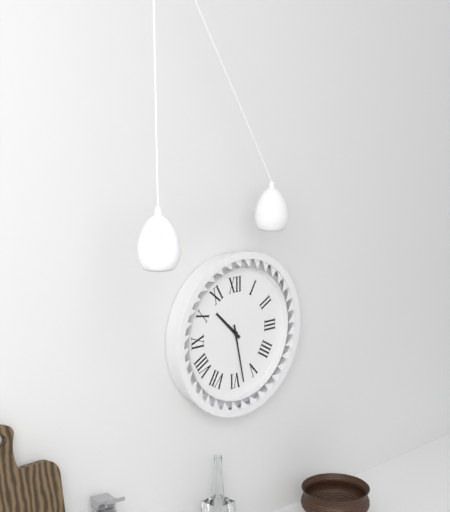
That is h=10 m=28
